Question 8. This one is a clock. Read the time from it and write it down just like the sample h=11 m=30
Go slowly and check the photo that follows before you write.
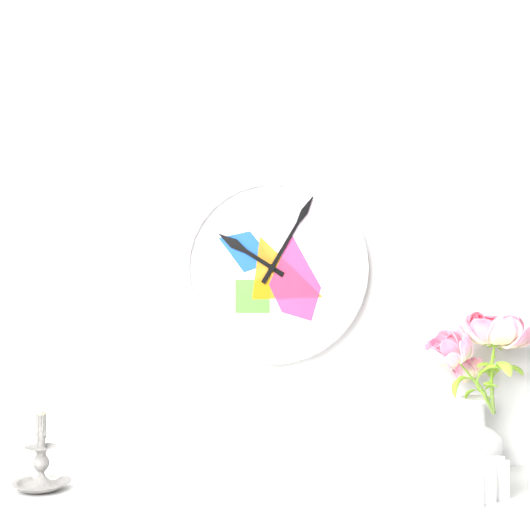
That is h=10 m=5
